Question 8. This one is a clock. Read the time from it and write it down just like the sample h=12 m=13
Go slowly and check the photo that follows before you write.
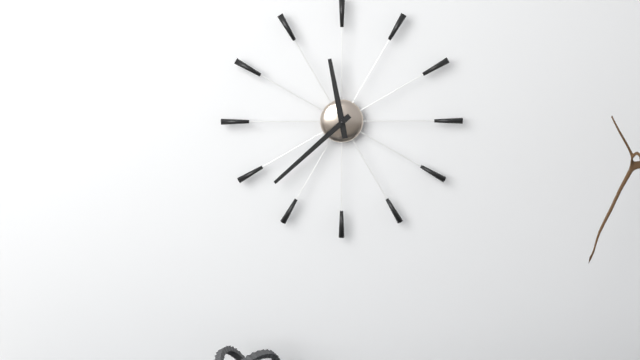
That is h=11 m=38
